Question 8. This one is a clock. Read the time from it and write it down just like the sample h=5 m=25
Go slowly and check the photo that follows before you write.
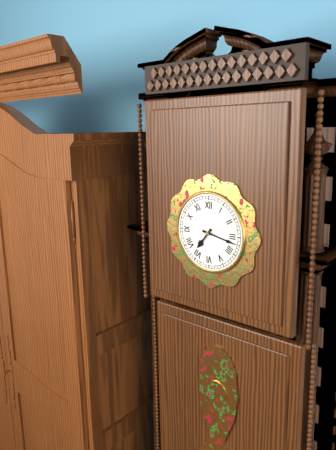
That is h=7 m=17
